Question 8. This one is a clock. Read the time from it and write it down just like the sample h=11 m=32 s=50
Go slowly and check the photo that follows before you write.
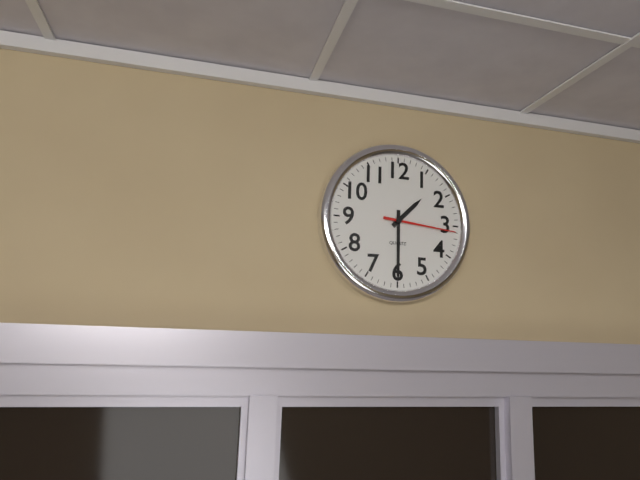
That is h=1 m=30 s=16
